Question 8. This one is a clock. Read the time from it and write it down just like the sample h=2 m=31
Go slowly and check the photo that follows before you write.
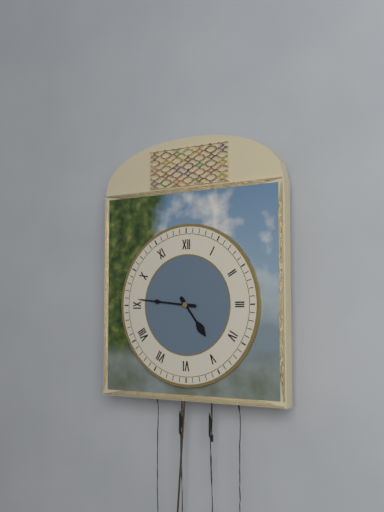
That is h=4 m=46
